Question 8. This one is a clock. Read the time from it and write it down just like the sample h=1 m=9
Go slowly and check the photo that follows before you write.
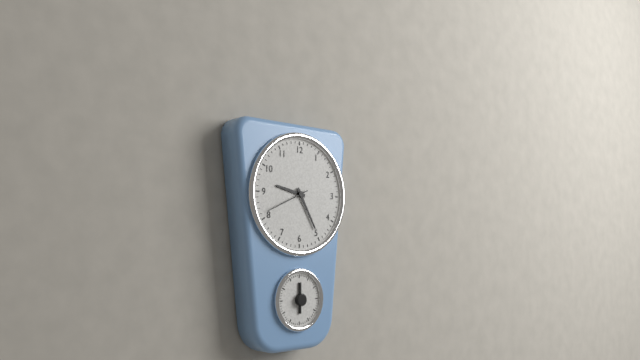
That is h=9 m=25
